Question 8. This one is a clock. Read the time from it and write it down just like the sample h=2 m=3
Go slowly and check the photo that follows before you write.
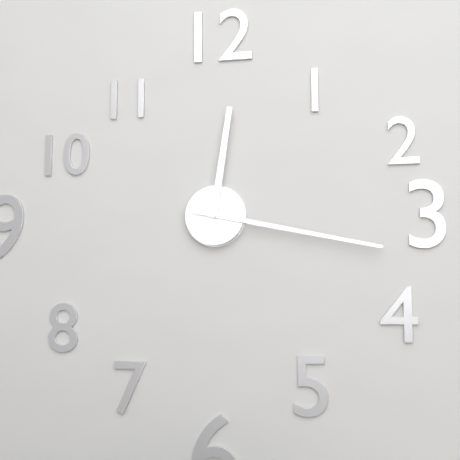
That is h=12 m=17
